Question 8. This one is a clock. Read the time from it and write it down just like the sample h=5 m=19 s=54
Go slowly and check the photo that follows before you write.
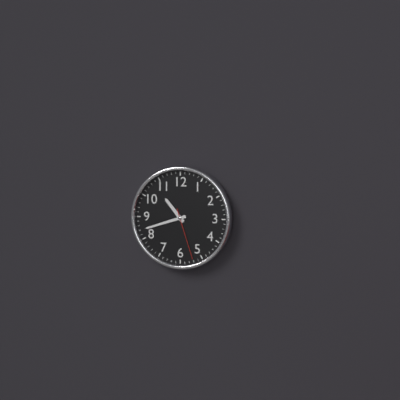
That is h=10 m=42 s=27
